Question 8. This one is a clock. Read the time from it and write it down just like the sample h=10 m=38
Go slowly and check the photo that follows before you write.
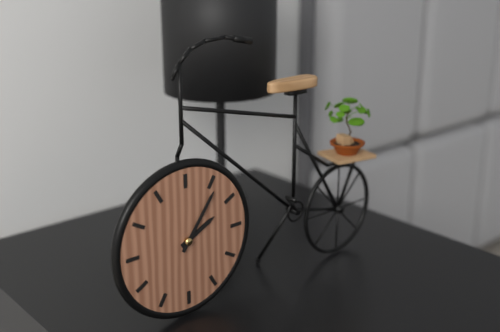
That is h=2 m=6
